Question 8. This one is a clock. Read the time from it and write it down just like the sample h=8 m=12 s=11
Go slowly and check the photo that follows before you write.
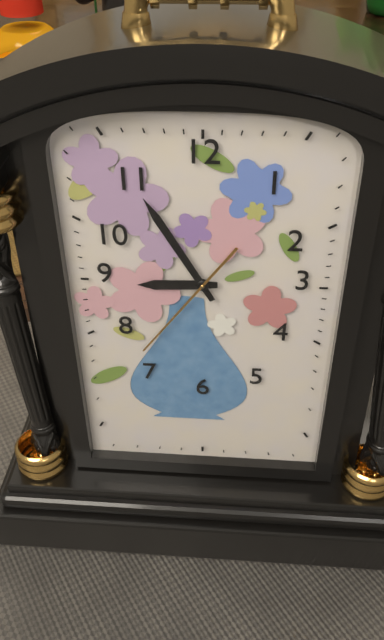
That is h=8 m=55 s=36
